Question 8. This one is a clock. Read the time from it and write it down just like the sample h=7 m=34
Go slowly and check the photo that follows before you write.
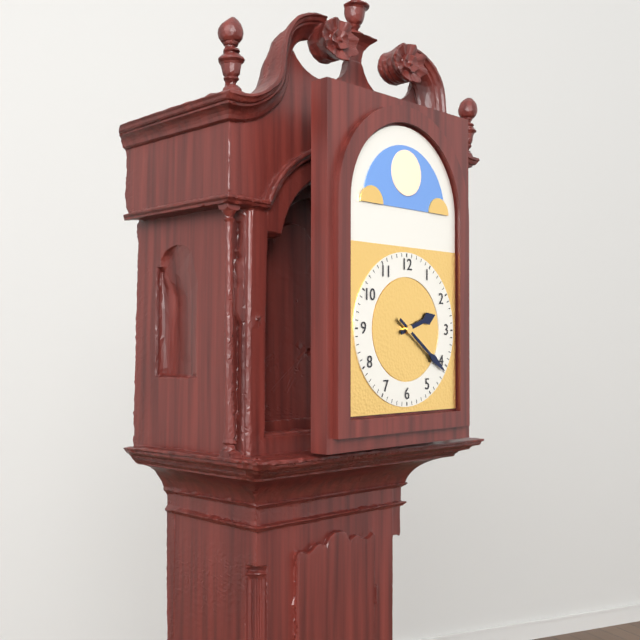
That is h=2 m=21
